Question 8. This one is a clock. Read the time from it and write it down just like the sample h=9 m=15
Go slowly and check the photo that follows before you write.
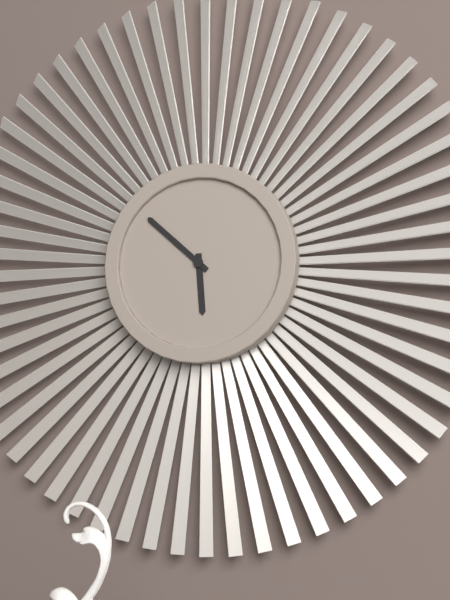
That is h=5 m=52
